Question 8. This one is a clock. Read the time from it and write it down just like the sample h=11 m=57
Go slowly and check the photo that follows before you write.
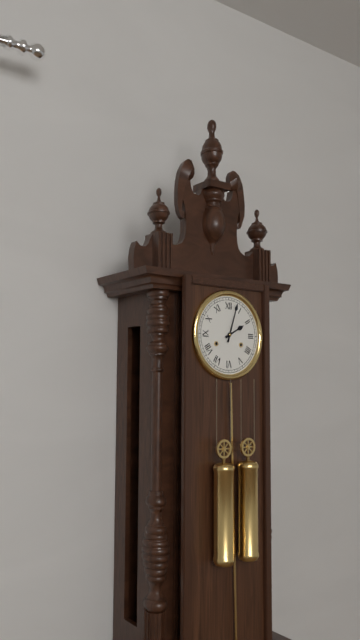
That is h=2 m=3
